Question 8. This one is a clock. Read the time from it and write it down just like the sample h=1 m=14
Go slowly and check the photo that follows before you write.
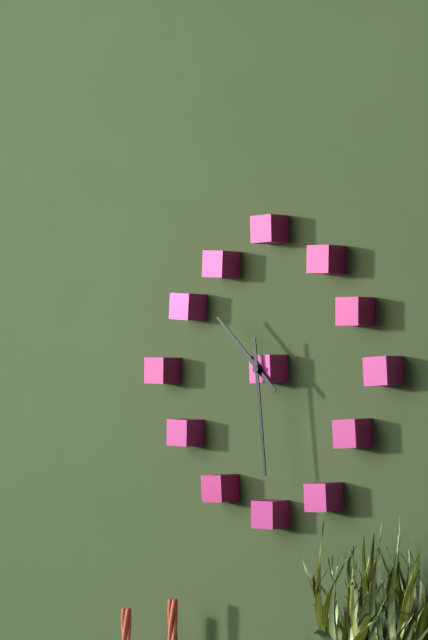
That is h=10 m=29
